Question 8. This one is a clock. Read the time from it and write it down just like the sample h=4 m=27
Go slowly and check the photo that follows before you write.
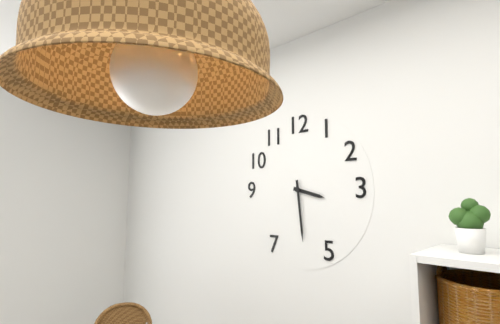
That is h=3 m=29
